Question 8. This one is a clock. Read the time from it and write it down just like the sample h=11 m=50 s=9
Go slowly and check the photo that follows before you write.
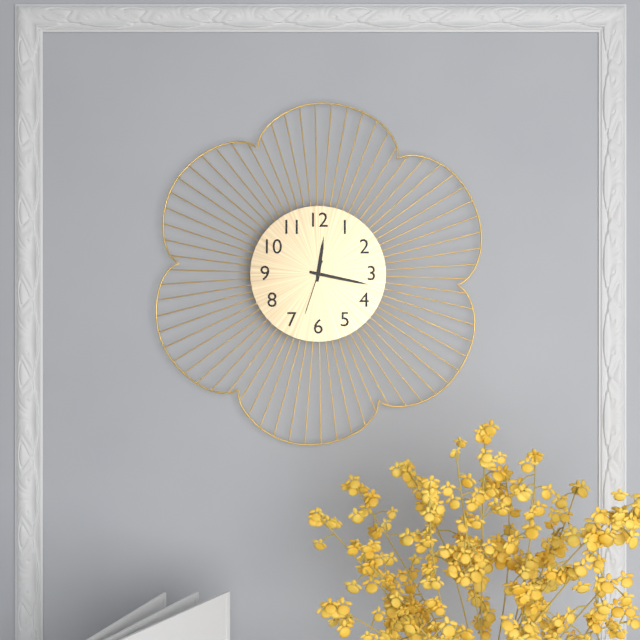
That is h=12 m=17 s=33
